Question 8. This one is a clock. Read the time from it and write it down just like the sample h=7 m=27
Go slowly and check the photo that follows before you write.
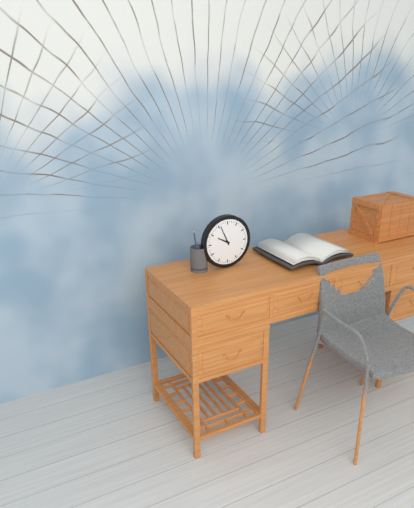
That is h=9 m=56
